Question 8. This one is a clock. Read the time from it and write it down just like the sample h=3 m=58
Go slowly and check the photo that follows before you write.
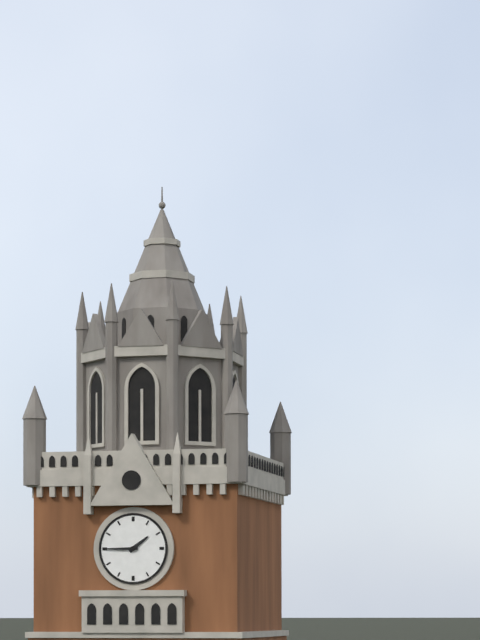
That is h=1 m=45
